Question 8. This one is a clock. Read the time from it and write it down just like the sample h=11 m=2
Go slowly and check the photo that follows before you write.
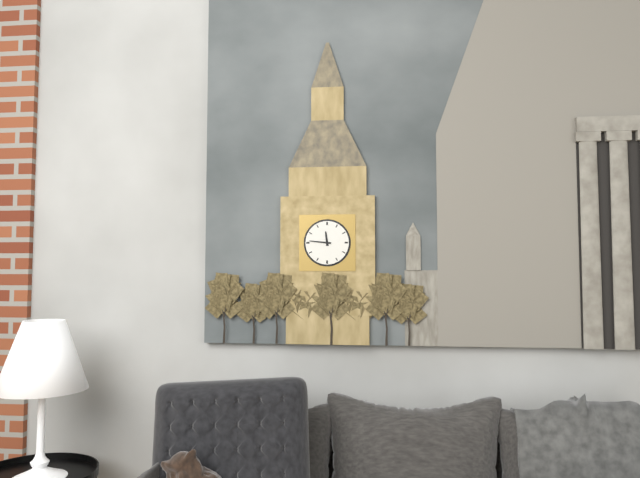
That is h=11 m=46
